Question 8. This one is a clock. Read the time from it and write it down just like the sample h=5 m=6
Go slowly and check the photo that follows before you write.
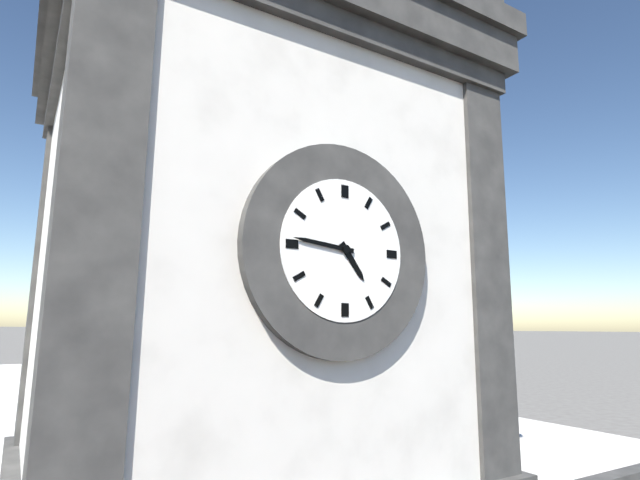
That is h=4 m=46
